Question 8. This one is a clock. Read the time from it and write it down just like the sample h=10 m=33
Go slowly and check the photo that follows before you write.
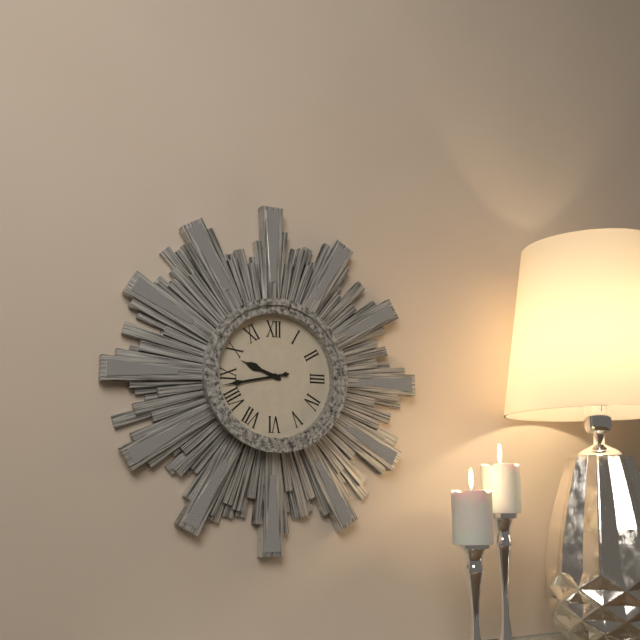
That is h=9 m=43
